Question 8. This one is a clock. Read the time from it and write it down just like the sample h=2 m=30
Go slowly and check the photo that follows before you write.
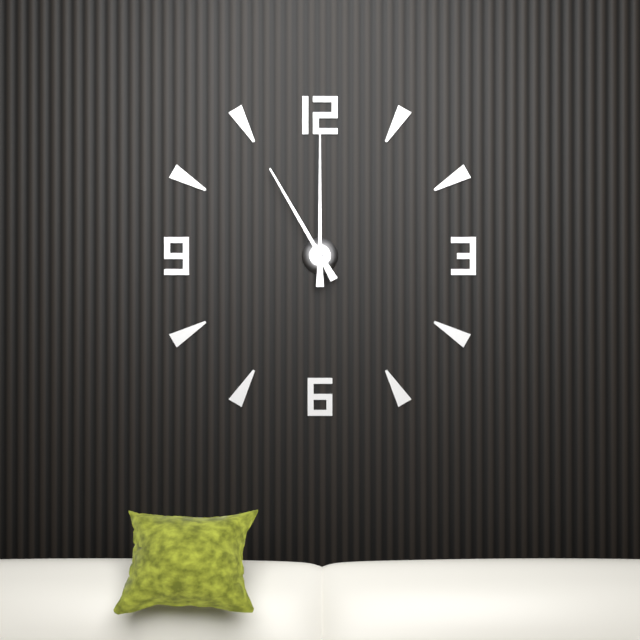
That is h=11 m=0
